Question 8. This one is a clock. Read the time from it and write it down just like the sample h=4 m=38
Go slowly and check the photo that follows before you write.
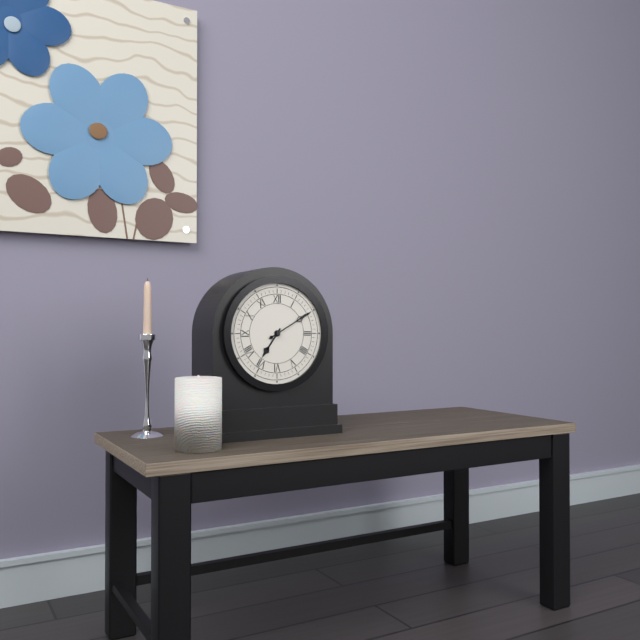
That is h=7 m=10
